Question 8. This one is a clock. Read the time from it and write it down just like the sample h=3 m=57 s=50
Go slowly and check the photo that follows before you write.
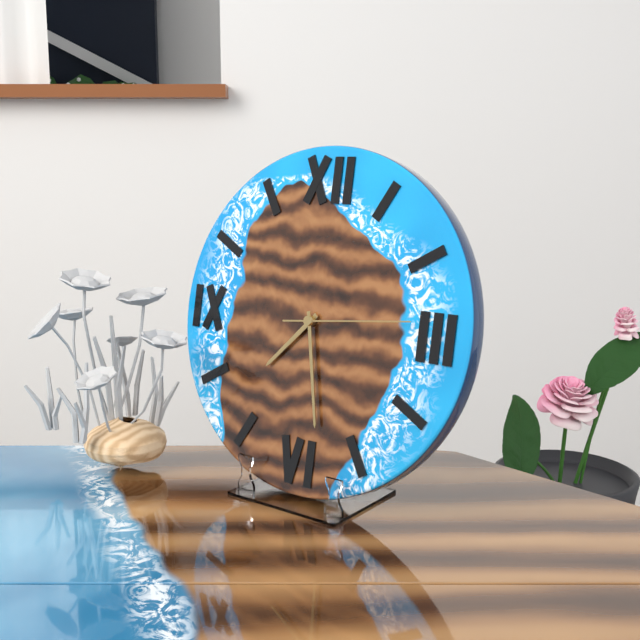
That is h=7 m=28 s=14
